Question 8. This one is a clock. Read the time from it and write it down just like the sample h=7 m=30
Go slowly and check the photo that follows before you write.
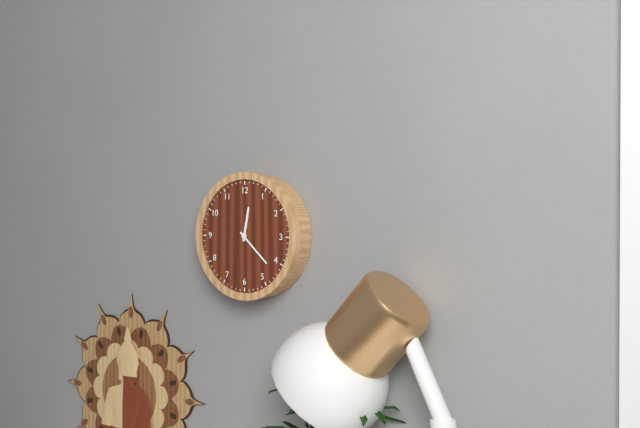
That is h=12 m=22
